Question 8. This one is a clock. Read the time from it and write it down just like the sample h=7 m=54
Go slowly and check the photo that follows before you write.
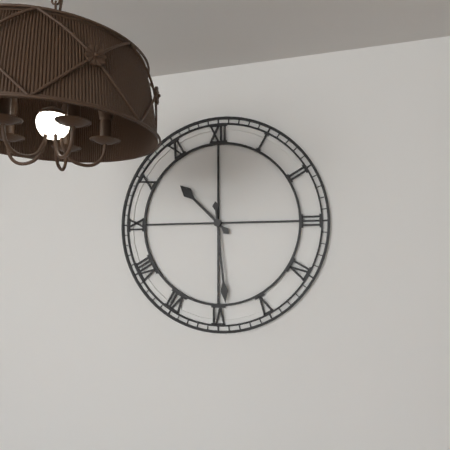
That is h=10 m=29
